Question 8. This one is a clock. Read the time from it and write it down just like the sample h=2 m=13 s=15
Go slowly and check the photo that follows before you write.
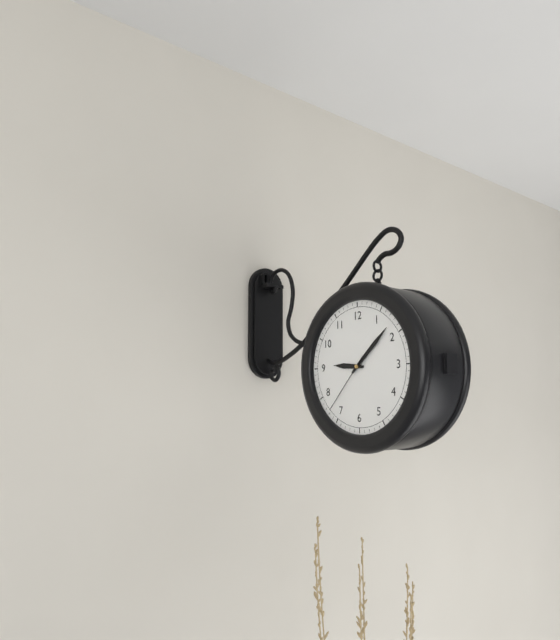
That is h=9 m=8 s=37
